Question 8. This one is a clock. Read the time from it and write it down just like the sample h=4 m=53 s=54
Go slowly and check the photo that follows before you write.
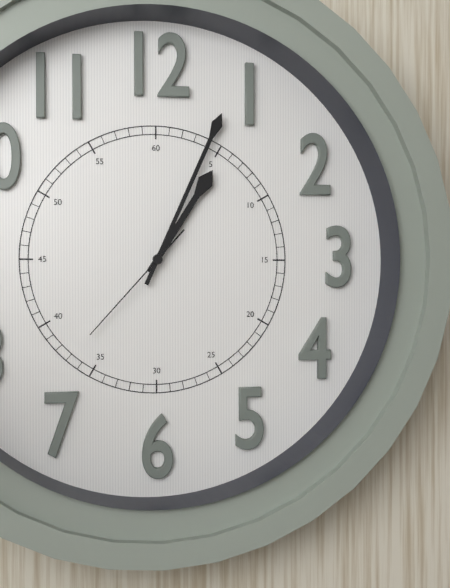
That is h=1 m=4 s=37
